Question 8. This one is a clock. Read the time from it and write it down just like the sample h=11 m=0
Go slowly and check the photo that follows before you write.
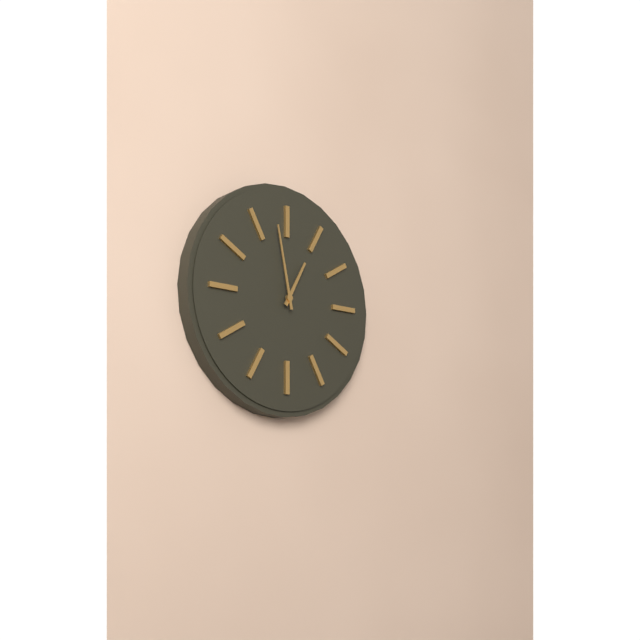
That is h=12 m=58
